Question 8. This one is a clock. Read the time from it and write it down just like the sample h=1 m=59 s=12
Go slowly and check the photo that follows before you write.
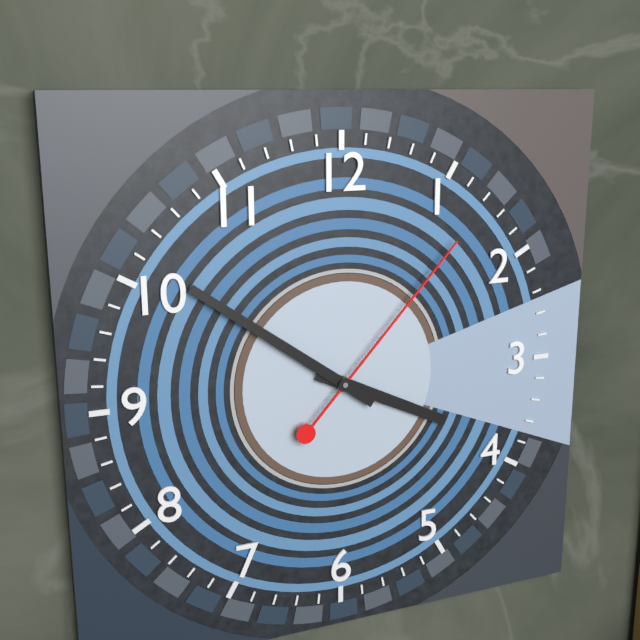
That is h=3 m=51 s=7
